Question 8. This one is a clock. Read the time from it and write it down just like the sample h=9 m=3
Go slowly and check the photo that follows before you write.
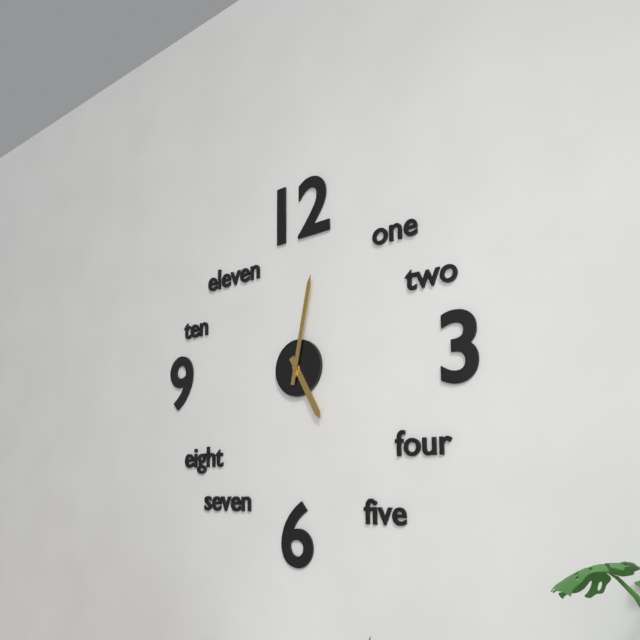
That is h=5 m=2
